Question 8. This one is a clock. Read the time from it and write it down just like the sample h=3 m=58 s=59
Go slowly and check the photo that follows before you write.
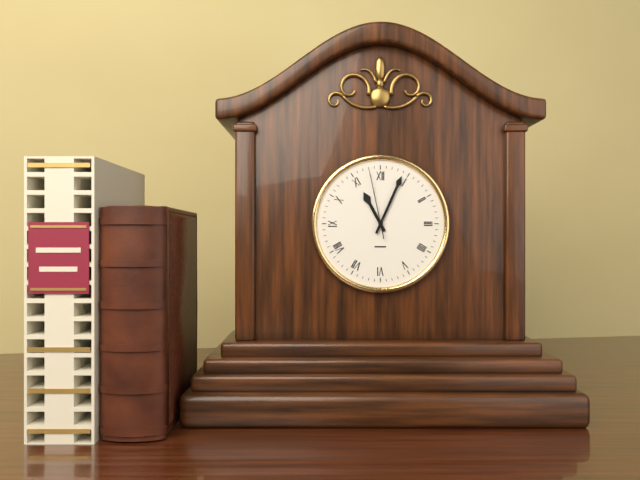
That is h=11 m=4 s=58
